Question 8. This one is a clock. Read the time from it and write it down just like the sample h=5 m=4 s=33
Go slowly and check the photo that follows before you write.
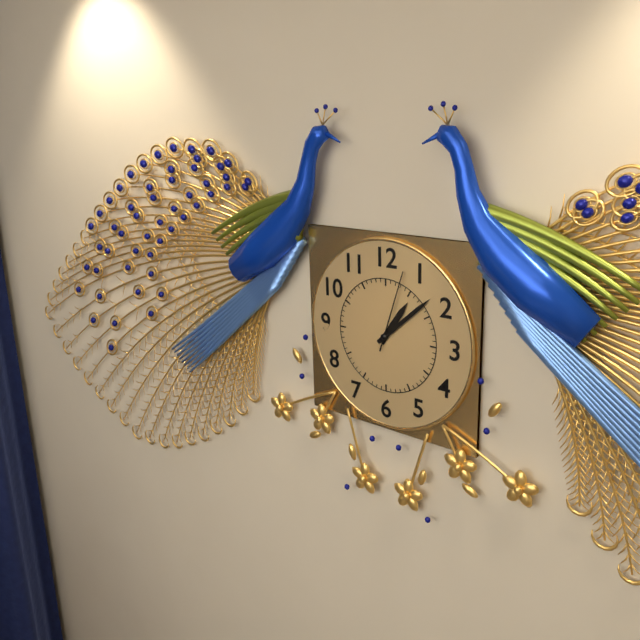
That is h=1 m=8 s=3
